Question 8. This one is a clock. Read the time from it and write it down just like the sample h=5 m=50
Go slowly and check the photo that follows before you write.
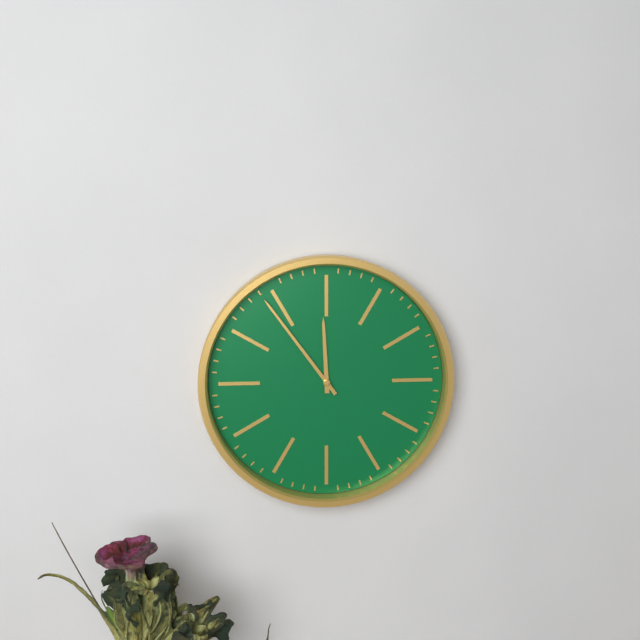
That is h=11 m=54
